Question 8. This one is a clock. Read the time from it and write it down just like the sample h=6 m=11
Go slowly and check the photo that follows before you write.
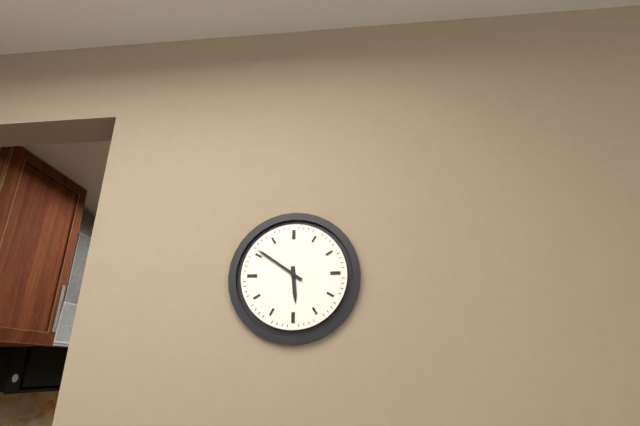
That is h=5 m=51
